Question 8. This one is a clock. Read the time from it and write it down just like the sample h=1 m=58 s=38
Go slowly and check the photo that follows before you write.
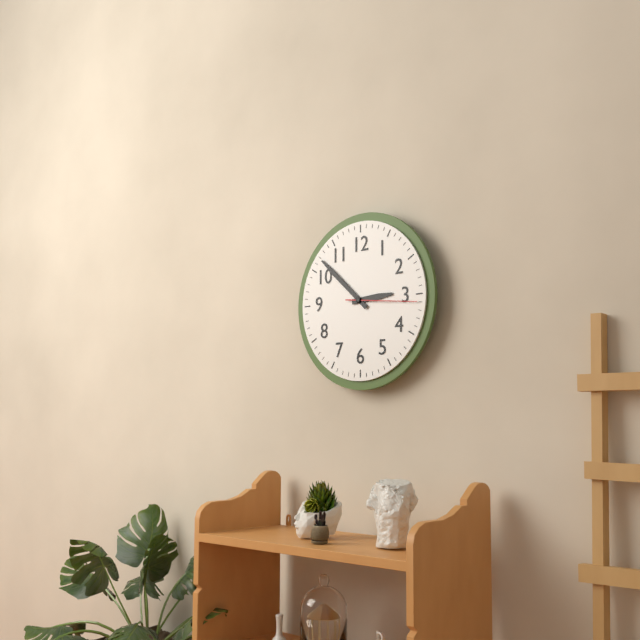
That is h=2 m=52 s=16
